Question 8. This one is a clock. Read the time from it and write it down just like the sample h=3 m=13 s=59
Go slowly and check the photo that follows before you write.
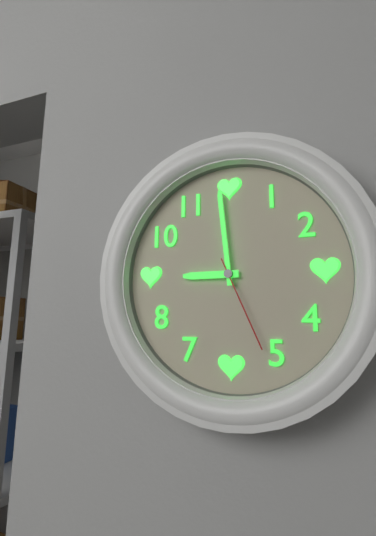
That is h=8 m=59 s=26
